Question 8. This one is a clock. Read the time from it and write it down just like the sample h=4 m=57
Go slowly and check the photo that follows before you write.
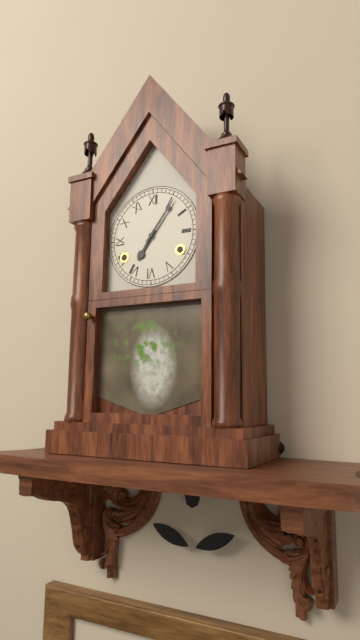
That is h=7 m=6
